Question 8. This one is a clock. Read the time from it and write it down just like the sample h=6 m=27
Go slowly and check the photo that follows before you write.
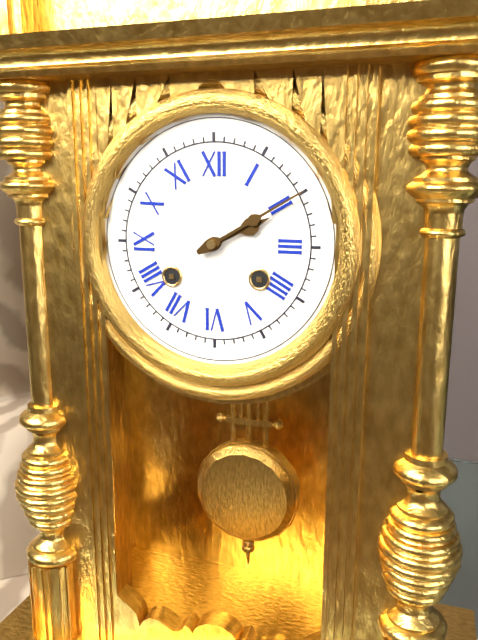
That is h=2 m=10
